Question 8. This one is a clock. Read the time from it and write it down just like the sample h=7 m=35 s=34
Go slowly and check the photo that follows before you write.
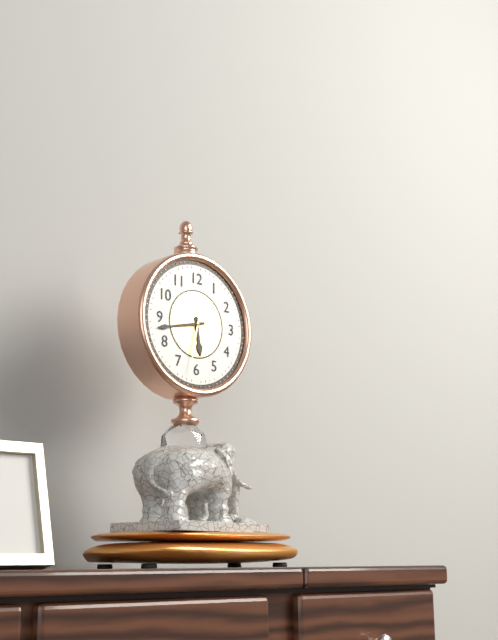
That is h=5 m=43 s=32
